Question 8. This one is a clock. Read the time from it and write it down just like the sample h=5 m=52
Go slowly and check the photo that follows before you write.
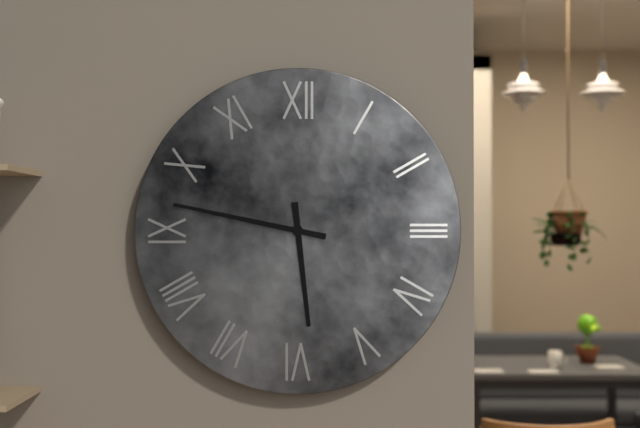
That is h=5 m=47
